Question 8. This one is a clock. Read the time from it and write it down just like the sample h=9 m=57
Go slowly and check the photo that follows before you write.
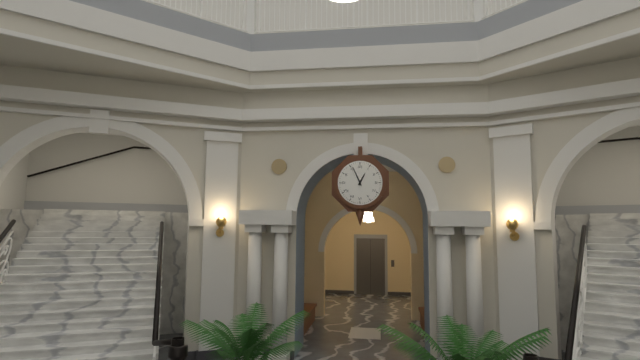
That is h=12 m=56
